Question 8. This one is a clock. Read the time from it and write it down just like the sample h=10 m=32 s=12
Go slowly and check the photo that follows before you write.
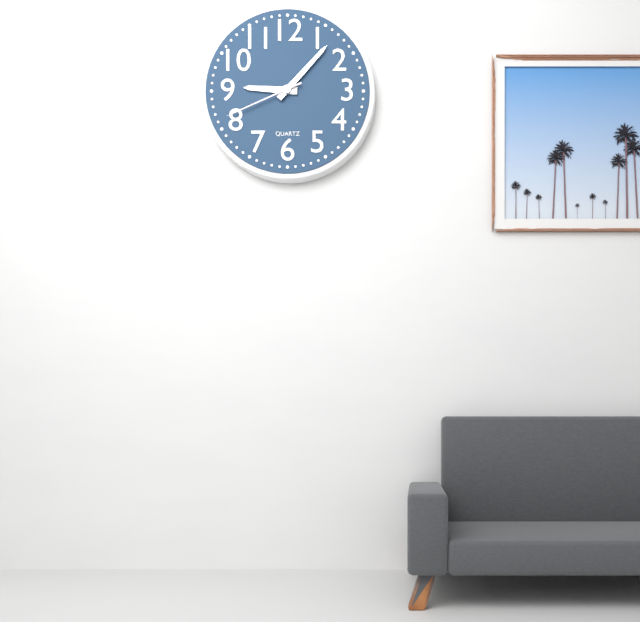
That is h=9 m=7 s=41
